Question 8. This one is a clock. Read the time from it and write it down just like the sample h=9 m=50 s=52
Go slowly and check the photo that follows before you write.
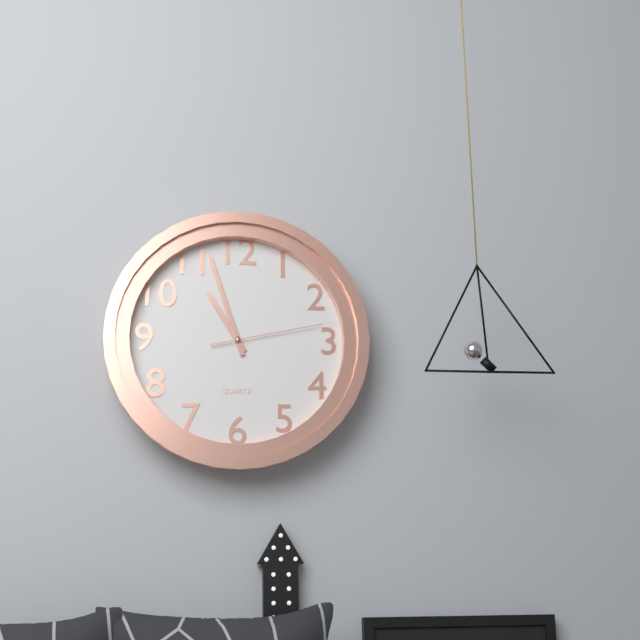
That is h=10 m=57 s=13
